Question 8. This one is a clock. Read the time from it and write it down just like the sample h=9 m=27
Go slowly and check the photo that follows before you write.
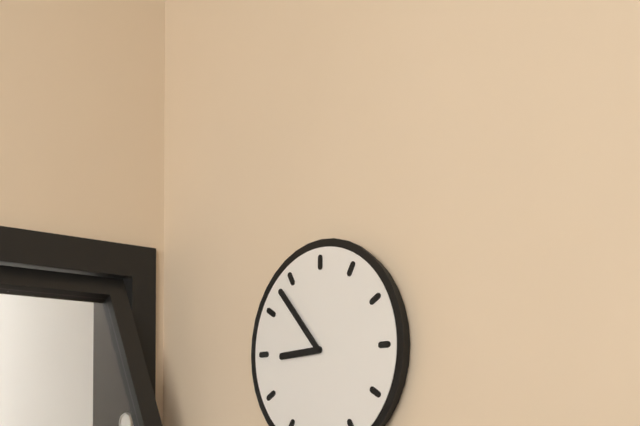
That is h=8 m=53
